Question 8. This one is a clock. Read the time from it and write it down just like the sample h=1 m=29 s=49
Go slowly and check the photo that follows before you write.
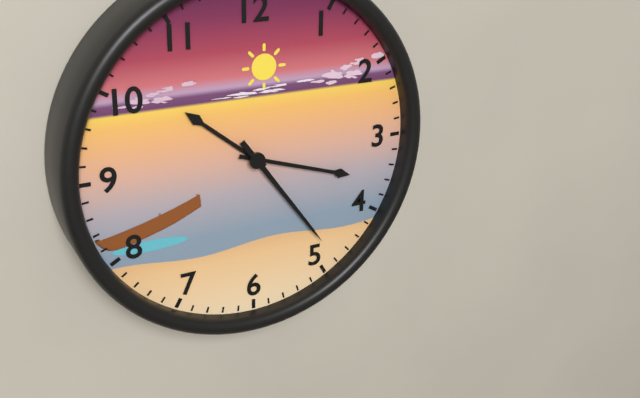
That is h=10 m=18 s=24
